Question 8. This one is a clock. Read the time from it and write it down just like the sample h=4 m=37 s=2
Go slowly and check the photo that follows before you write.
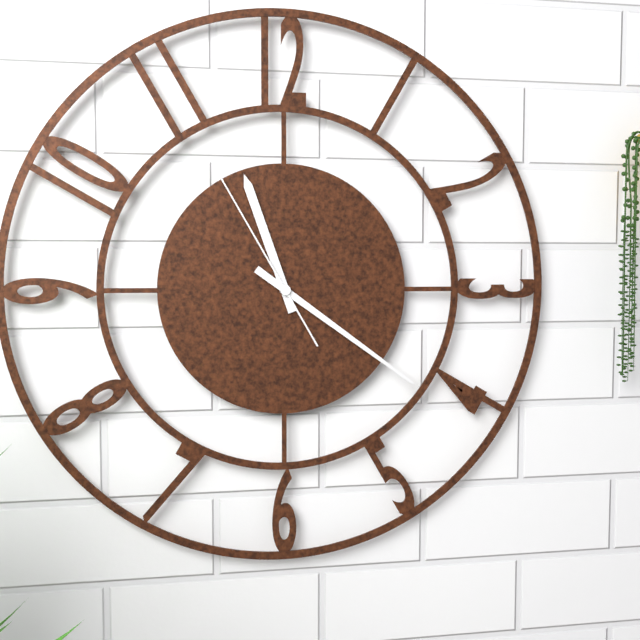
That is h=11 m=21 s=55
